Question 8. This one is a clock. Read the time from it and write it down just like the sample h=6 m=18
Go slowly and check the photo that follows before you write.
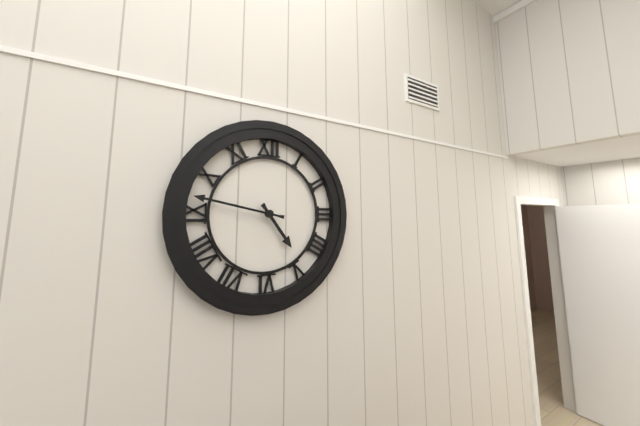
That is h=4 m=47
